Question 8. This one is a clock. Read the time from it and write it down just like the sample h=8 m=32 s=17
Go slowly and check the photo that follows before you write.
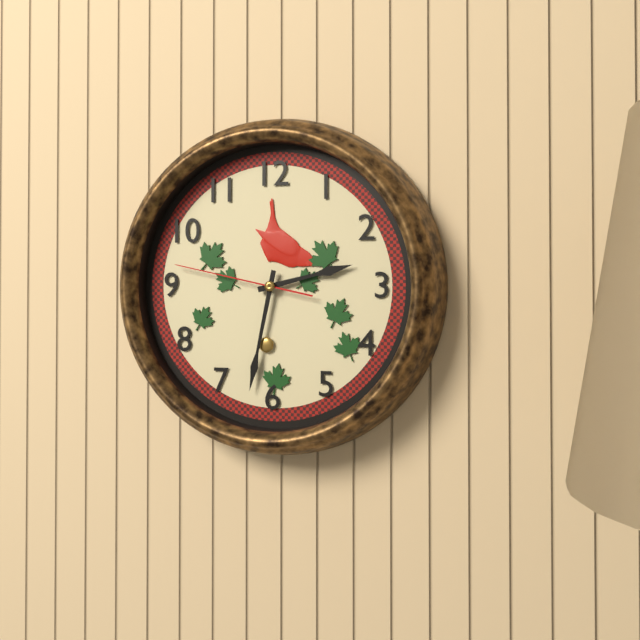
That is h=2 m=32 s=47
